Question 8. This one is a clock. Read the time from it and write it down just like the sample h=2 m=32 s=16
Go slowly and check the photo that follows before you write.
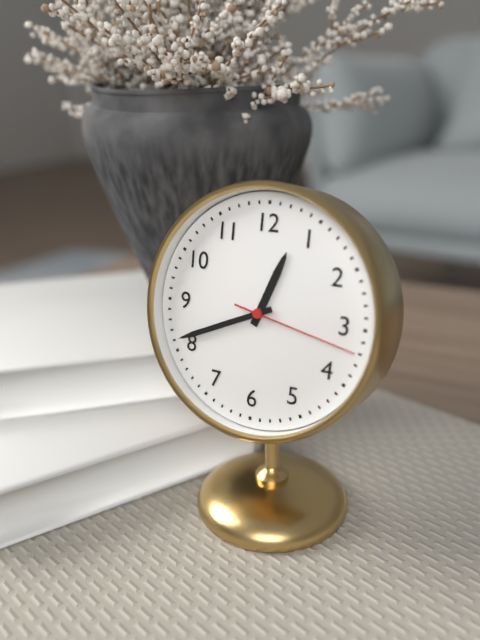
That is h=12 m=41 s=17
